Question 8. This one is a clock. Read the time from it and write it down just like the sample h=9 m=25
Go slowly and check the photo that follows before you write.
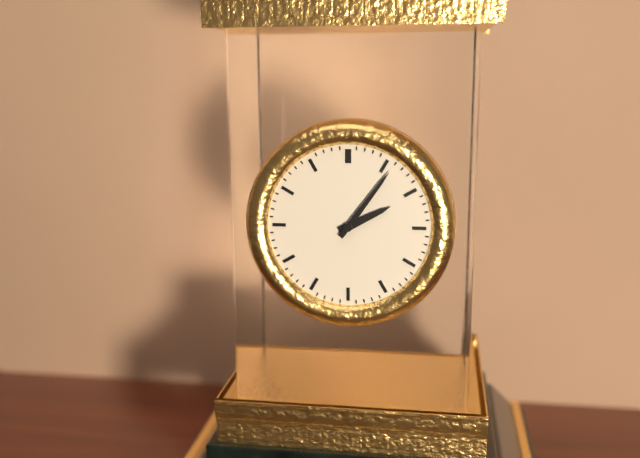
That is h=2 m=6
